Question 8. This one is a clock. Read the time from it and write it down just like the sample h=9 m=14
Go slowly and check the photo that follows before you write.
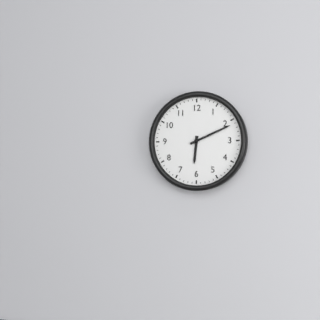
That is h=6 m=11
